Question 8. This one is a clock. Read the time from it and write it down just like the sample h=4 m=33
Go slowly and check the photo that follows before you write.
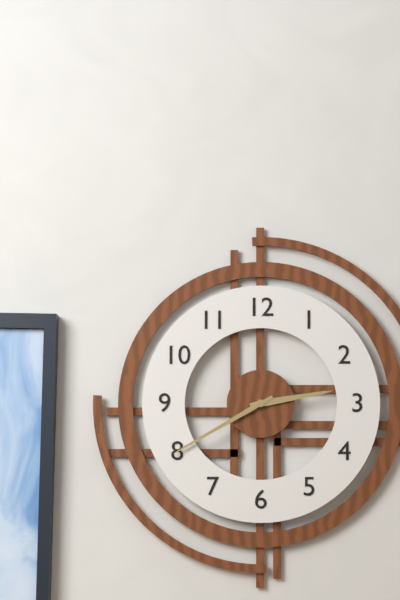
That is h=2 m=40
